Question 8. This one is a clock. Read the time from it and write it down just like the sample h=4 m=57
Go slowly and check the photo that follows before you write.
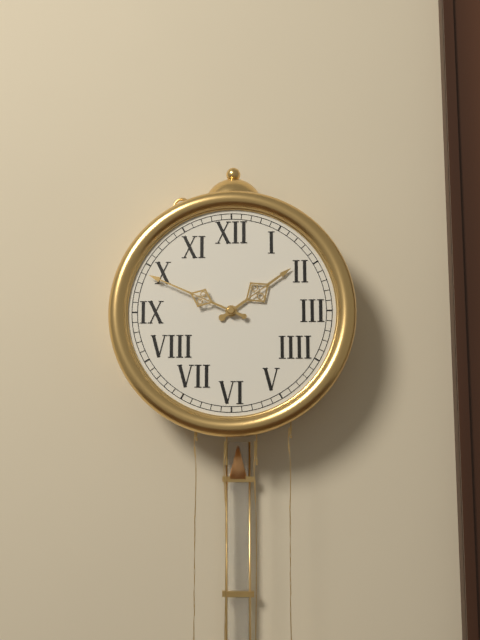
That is h=1 m=49
